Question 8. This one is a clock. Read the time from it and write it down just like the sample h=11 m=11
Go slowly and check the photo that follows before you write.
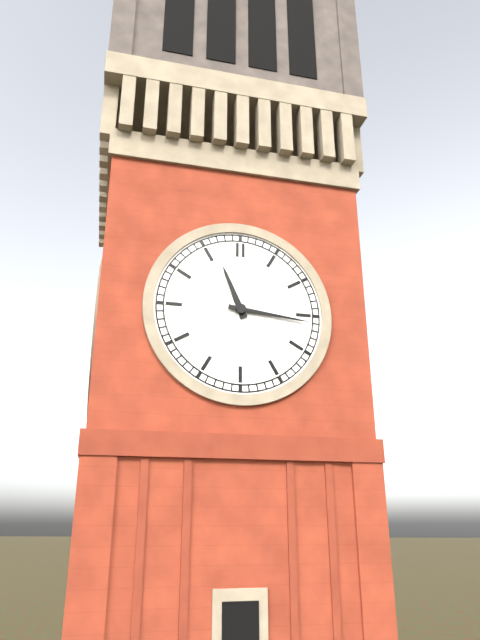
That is h=11 m=16
